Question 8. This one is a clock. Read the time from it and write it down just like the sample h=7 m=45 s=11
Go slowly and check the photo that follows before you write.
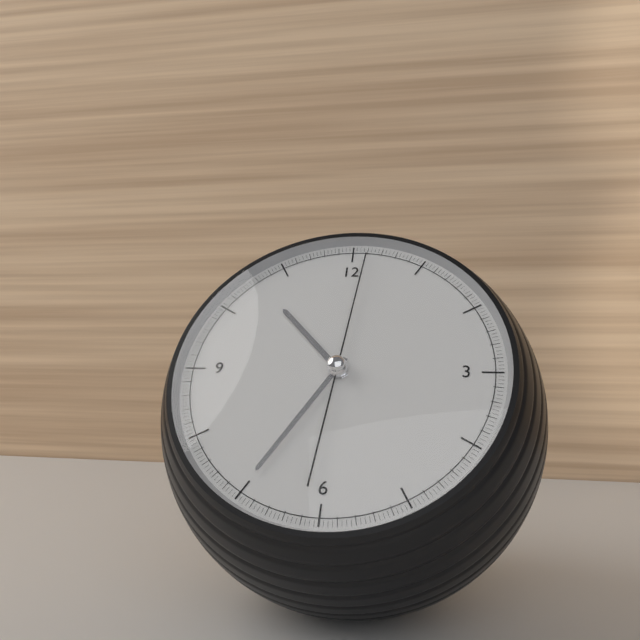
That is h=10 m=35 s=1
